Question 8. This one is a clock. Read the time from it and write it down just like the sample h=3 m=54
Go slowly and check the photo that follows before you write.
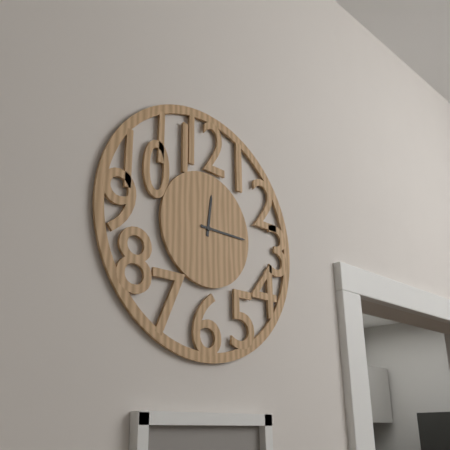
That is h=12 m=15
